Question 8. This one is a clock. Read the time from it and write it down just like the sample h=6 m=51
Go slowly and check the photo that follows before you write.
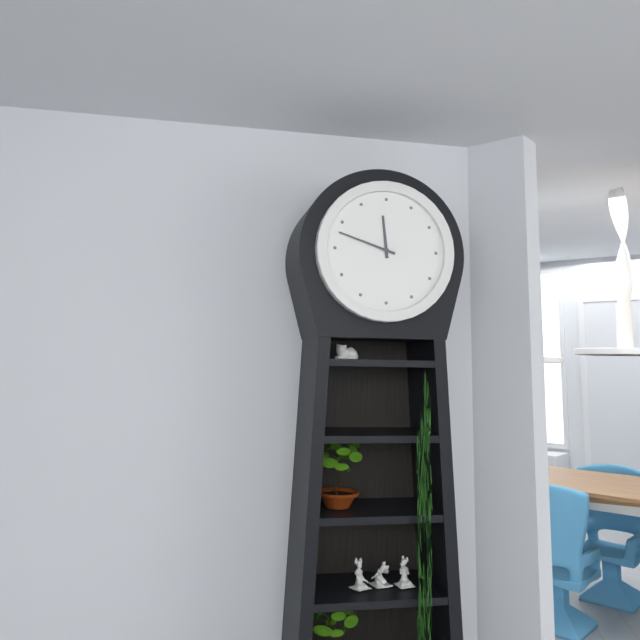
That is h=11 m=48
